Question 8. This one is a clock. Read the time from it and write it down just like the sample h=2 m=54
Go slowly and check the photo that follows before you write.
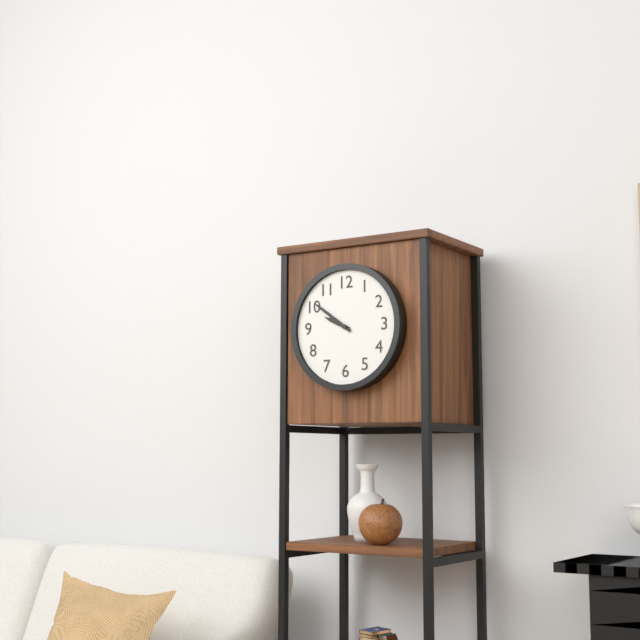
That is h=9 m=51
